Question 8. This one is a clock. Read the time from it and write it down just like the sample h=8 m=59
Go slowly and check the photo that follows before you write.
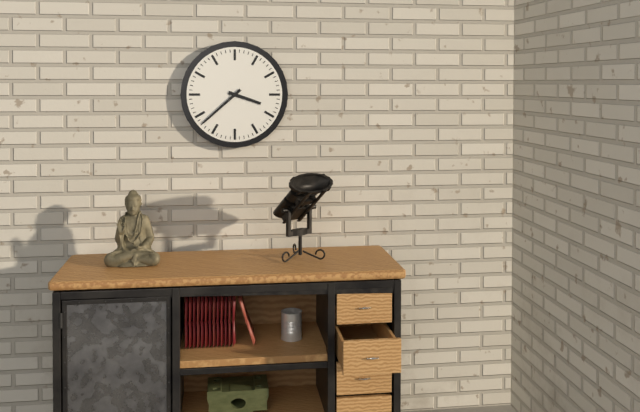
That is h=3 m=38
